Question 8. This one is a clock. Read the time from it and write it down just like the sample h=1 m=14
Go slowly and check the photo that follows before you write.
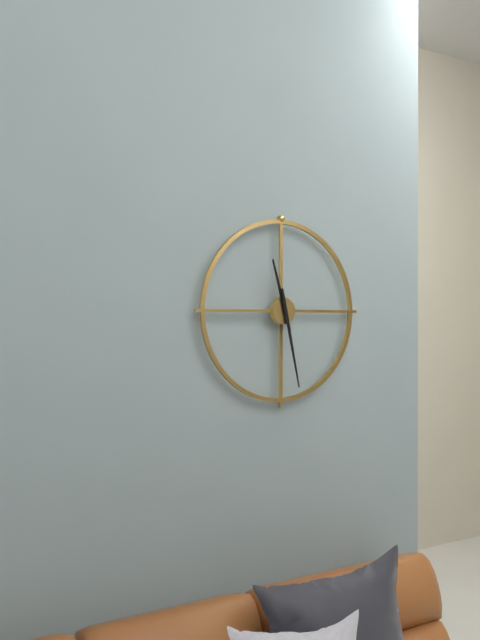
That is h=11 m=28
